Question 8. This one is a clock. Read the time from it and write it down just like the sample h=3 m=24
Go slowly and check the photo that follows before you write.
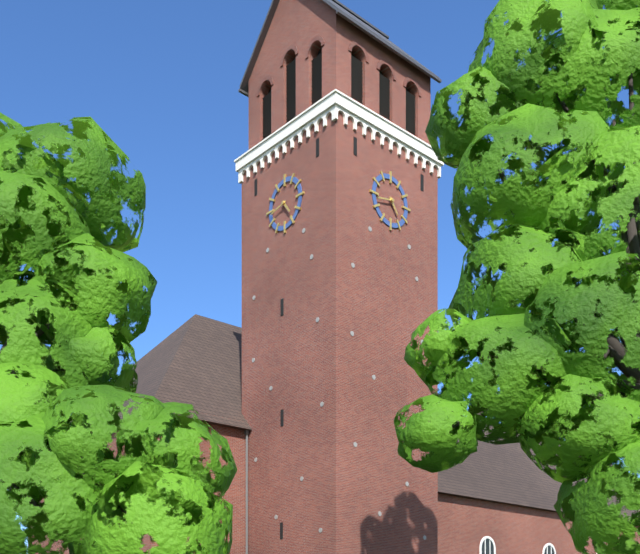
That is h=4 m=43
